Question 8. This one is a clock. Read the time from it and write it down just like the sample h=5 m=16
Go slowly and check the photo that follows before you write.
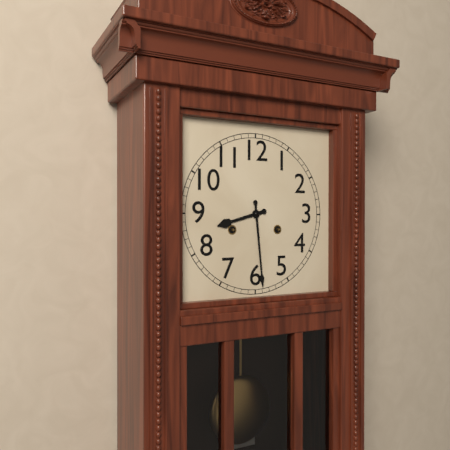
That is h=8 m=29
